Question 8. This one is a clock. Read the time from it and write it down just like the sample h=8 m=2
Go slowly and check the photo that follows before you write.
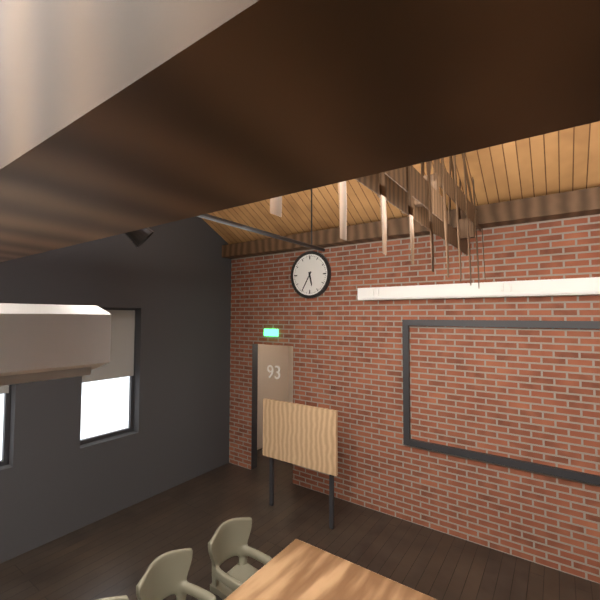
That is h=5 m=35
